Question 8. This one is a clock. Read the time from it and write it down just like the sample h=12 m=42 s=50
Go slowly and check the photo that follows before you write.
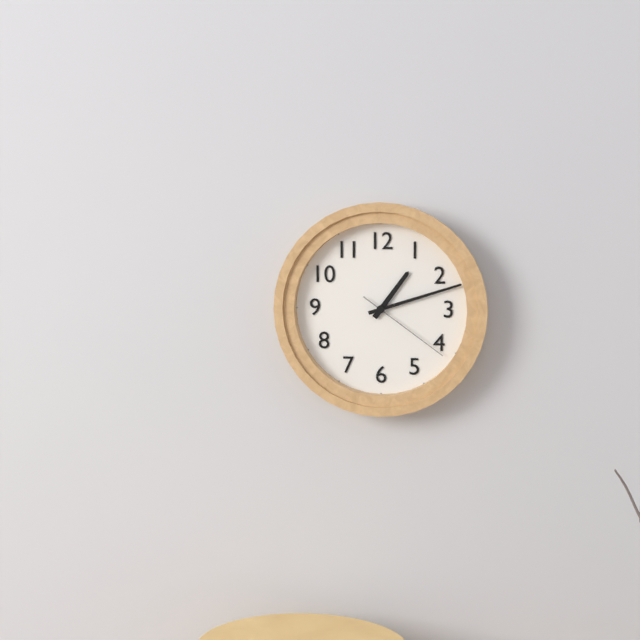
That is h=1 m=12 s=21
